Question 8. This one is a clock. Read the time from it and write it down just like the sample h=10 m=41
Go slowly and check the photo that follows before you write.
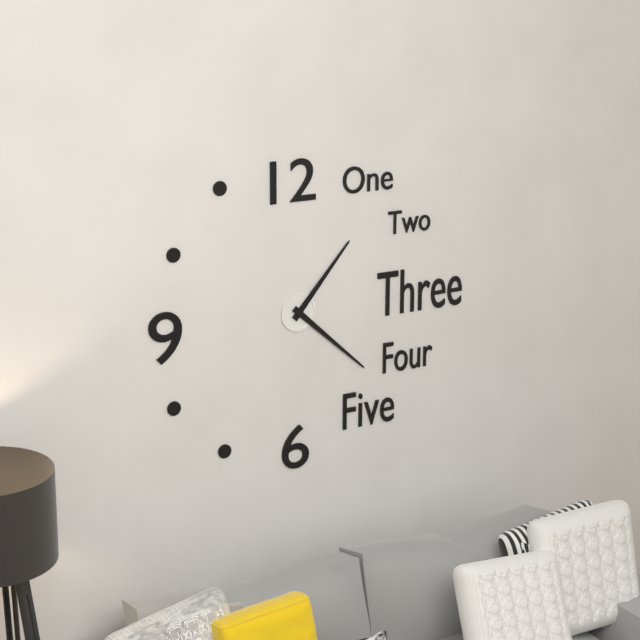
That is h=1 m=22
